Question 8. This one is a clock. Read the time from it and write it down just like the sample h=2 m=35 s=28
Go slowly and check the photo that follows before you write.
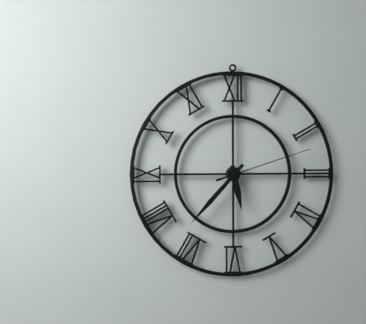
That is h=5 m=37 s=12
